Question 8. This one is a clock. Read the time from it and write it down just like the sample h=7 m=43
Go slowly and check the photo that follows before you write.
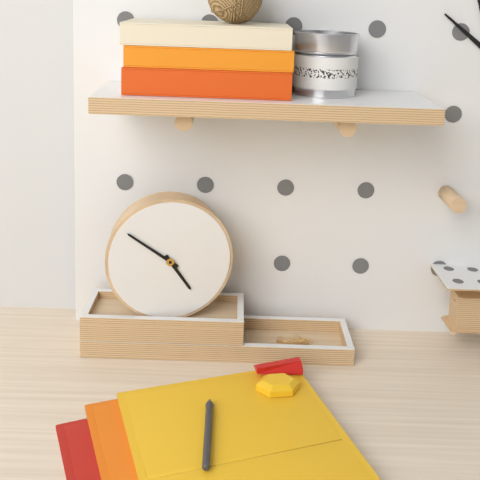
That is h=4 m=51
